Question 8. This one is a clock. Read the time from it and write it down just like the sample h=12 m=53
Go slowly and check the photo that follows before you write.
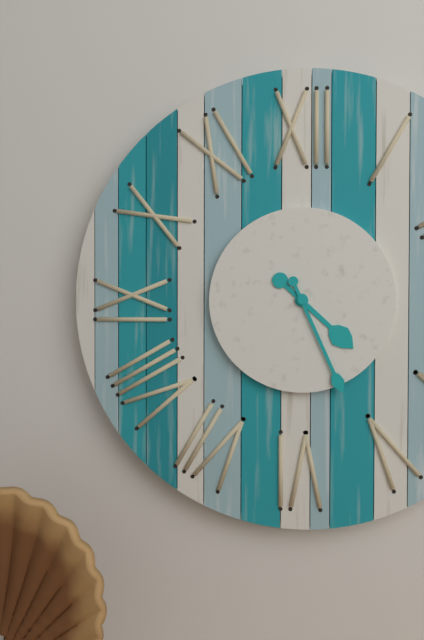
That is h=4 m=26
